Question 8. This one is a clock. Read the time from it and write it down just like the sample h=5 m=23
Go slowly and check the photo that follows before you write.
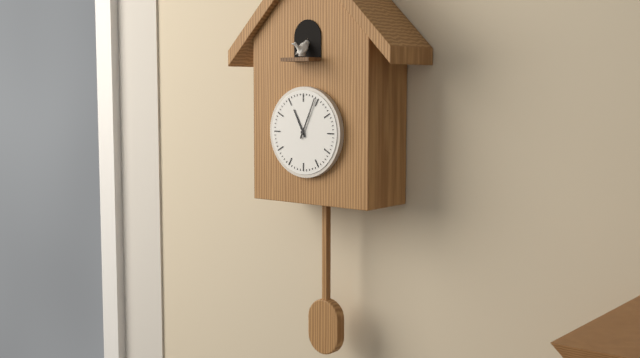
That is h=11 m=4
